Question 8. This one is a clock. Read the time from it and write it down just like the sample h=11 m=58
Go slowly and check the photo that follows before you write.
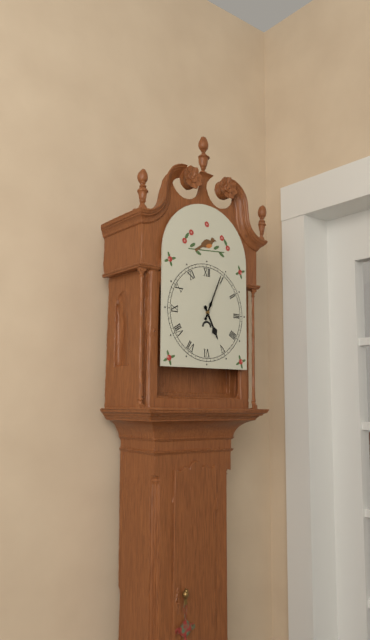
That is h=5 m=4
